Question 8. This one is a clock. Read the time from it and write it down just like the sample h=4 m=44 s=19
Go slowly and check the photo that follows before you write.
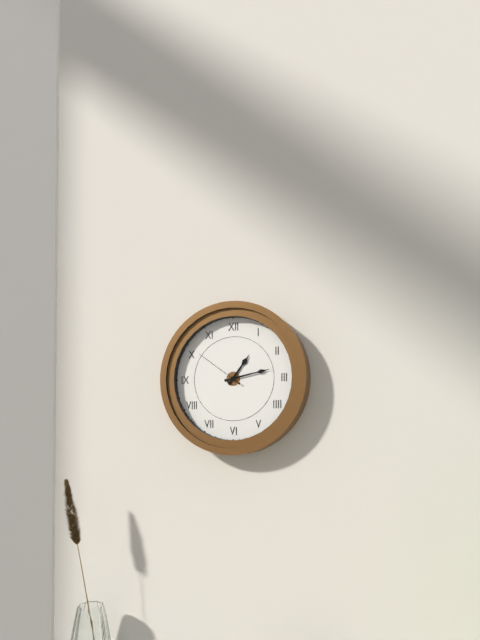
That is h=1 m=13 s=51
